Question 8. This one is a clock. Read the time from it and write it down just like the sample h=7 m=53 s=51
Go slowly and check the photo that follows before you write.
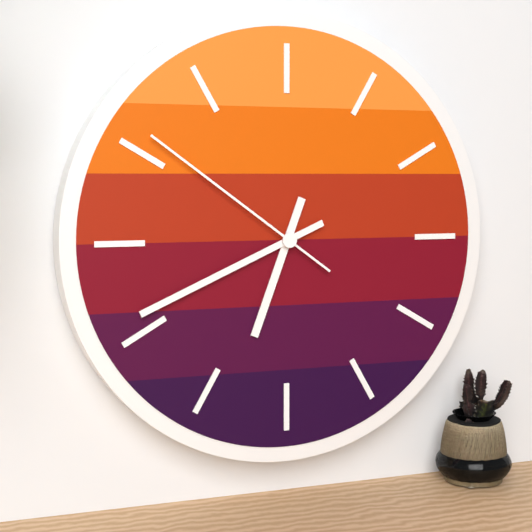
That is h=6 m=41 s=51
